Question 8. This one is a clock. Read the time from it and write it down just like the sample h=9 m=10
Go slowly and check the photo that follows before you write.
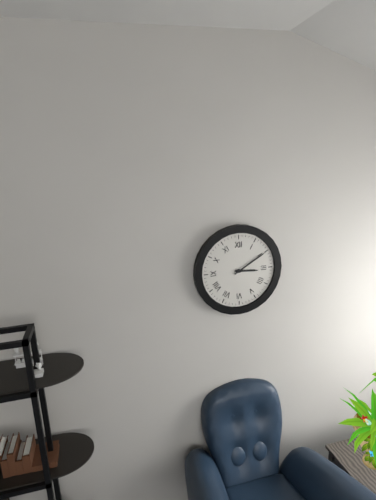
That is h=3 m=10
